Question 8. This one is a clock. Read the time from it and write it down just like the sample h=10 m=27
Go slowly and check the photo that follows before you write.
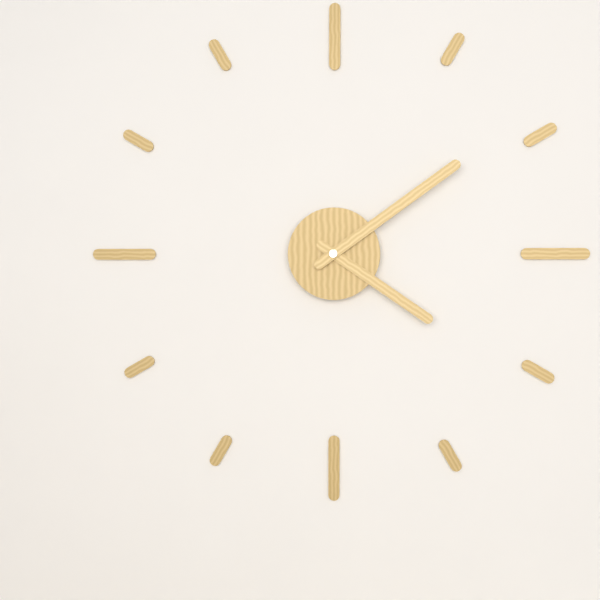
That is h=4 m=9
